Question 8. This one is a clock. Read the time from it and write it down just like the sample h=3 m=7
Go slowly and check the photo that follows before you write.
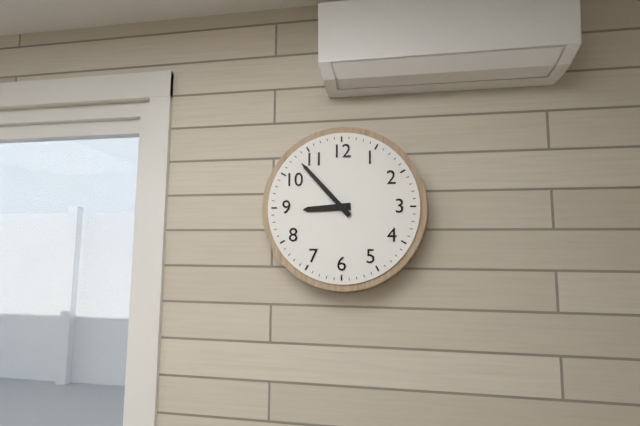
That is h=8 m=53
